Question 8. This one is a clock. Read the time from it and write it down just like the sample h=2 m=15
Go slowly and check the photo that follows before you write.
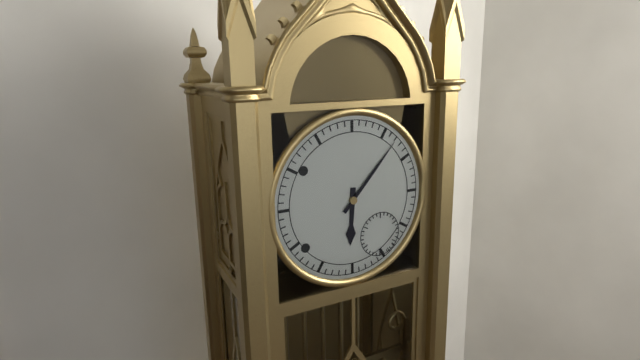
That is h=6 m=7
